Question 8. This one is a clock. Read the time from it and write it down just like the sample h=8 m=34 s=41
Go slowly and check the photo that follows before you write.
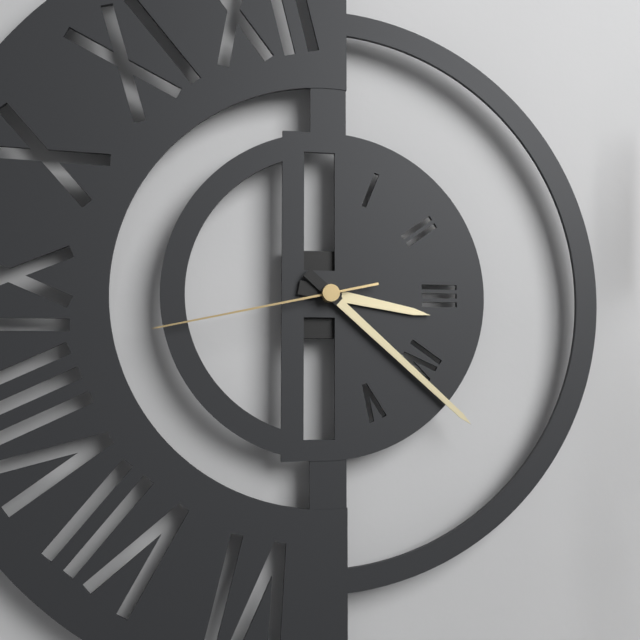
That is h=3 m=22 s=43
